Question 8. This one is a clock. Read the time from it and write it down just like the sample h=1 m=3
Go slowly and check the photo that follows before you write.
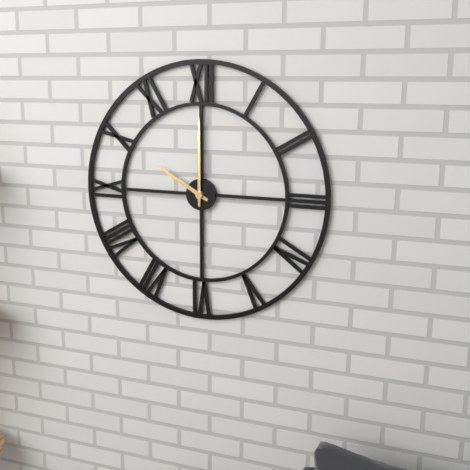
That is h=10 m=0
